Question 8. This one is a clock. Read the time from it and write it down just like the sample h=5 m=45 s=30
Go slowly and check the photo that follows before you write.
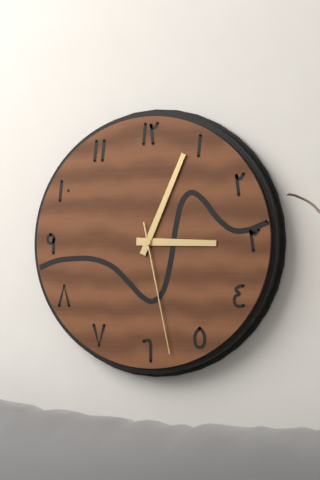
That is h=3 m=4 s=28
